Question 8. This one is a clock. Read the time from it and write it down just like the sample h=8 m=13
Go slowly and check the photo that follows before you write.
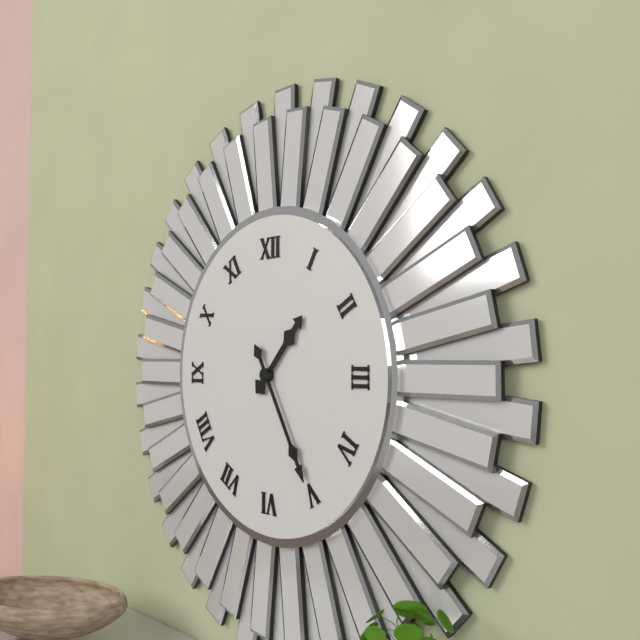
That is h=1 m=25
